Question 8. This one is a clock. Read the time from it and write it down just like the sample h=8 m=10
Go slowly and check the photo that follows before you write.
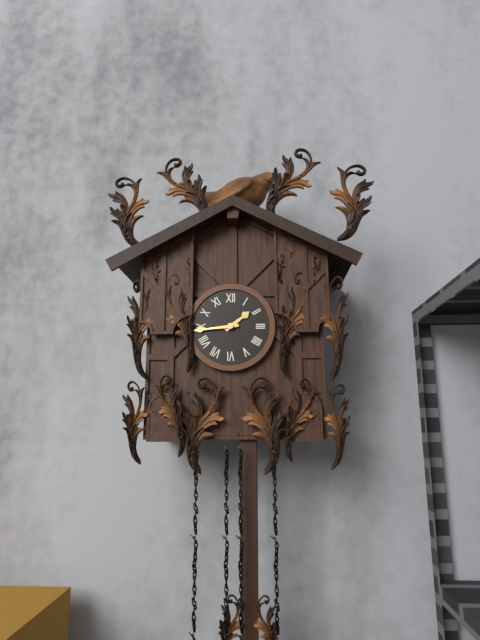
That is h=1 m=44
